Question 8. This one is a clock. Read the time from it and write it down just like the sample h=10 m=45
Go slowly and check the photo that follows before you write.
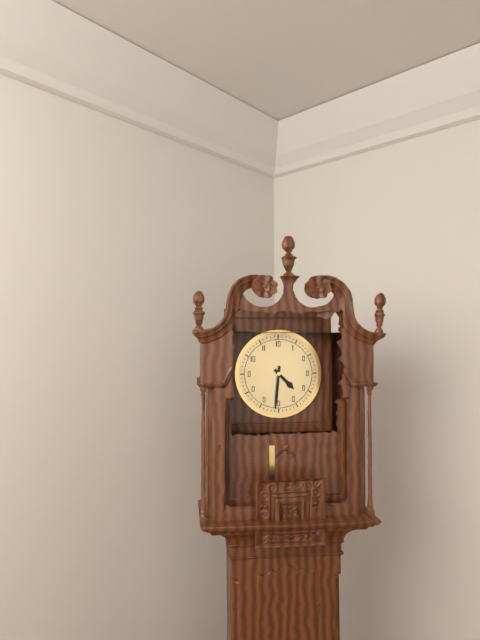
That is h=4 m=31
